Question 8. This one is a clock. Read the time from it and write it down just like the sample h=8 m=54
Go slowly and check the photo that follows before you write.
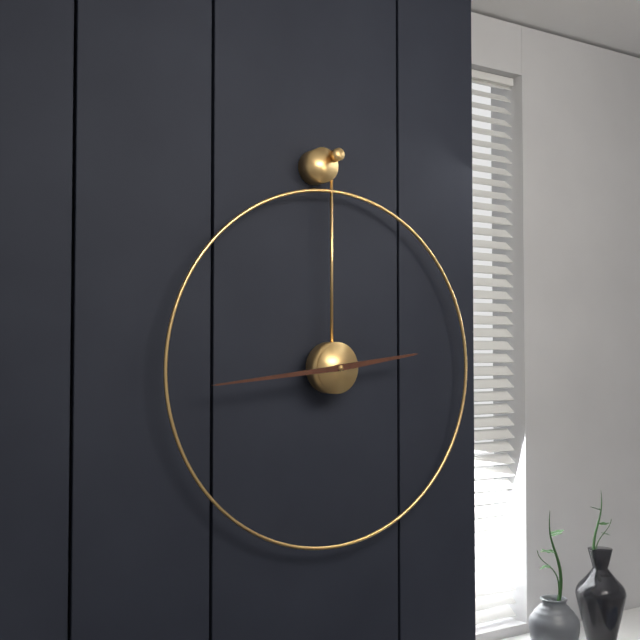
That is h=2 m=44
